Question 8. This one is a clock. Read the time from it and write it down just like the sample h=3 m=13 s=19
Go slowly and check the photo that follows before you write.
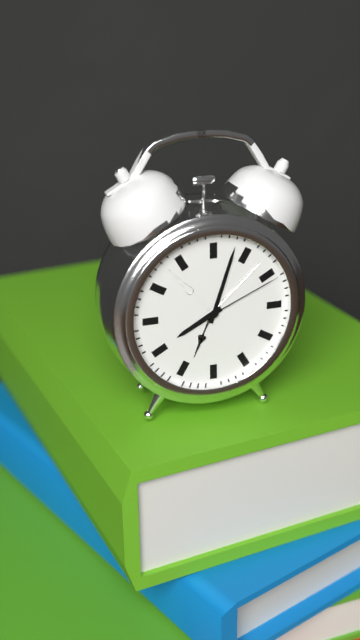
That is h=8 m=3 s=11
